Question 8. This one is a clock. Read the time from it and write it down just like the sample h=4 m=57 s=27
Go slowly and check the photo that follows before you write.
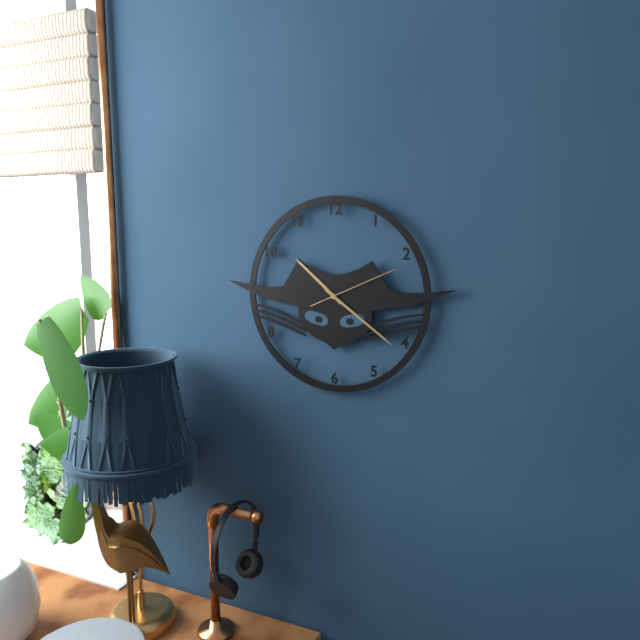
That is h=10 m=21 s=11
